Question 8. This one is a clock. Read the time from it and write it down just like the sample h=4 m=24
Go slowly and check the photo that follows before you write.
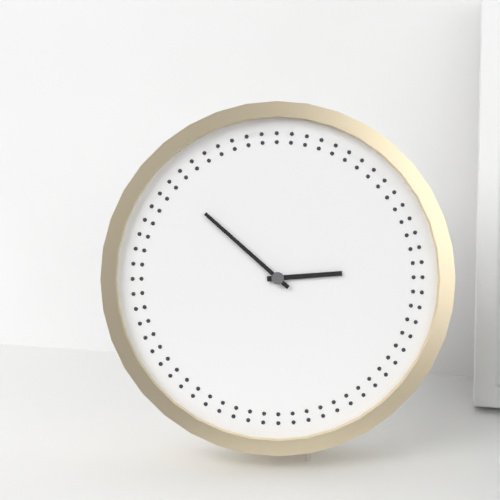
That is h=2 m=52
